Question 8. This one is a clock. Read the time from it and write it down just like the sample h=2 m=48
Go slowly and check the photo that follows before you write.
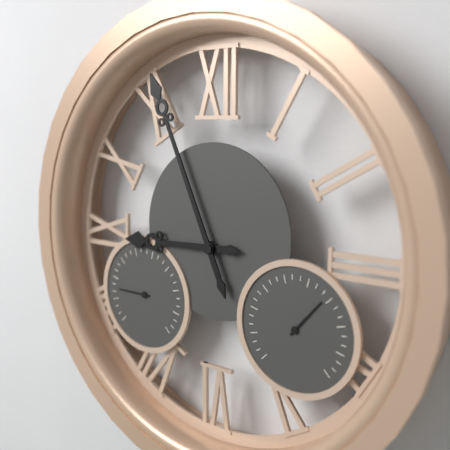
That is h=8 m=56
